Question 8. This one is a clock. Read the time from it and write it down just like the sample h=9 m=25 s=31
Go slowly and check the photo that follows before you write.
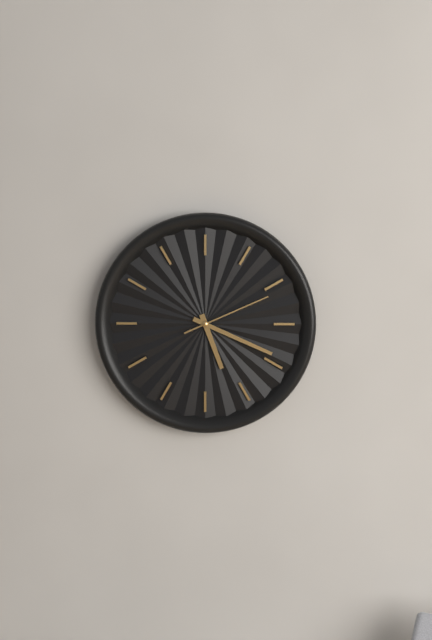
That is h=5 m=19 s=11
